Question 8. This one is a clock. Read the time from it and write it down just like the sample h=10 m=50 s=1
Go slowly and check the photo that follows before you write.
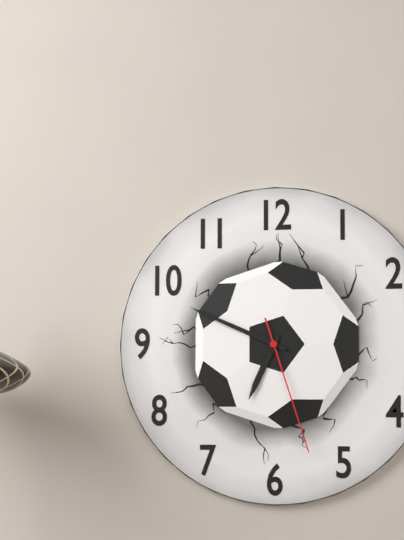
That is h=6 m=49 s=27
